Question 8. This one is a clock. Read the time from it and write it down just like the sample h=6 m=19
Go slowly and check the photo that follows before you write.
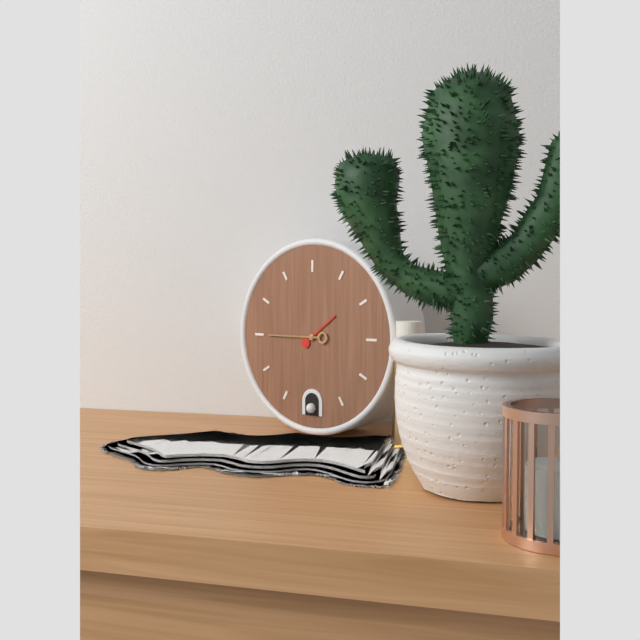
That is h=1 m=45
